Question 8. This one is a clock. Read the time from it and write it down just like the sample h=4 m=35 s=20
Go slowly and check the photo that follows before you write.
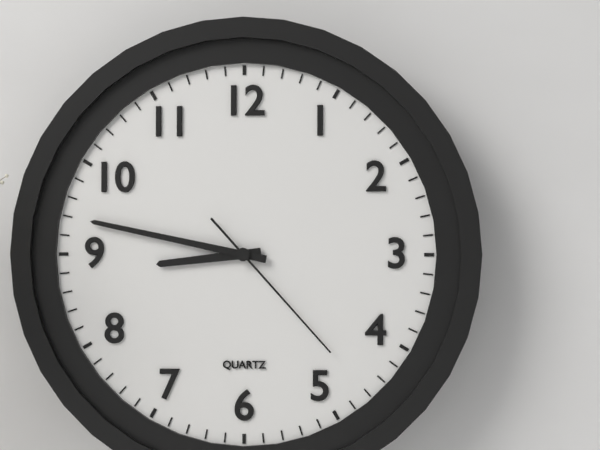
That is h=8 m=47 s=23
